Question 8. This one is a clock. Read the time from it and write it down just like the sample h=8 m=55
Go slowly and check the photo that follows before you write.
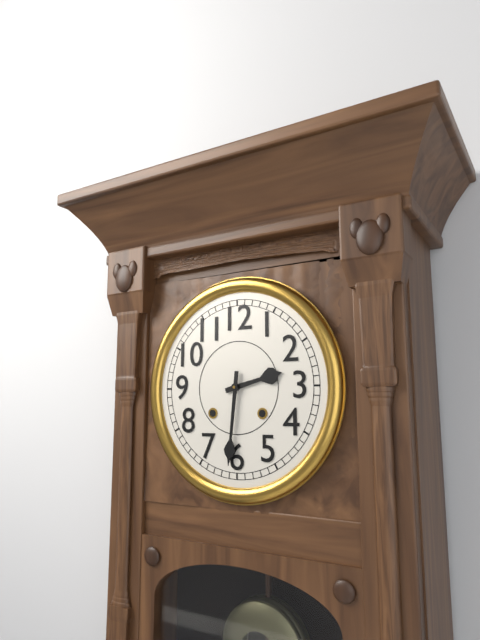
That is h=2 m=31
